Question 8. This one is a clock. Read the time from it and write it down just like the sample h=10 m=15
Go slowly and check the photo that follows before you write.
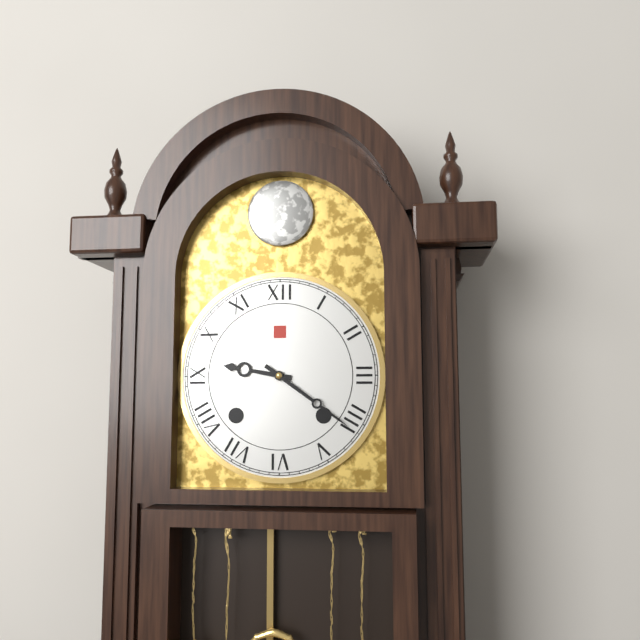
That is h=9 m=21
